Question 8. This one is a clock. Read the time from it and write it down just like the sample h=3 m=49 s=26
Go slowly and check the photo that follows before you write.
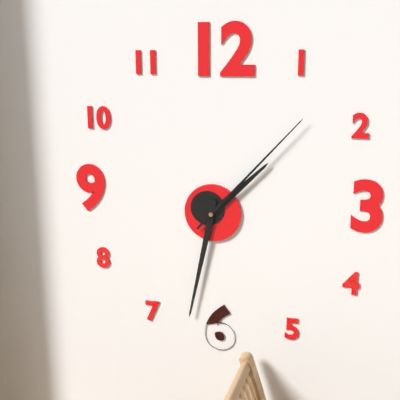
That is h=1 m=32 s=7
